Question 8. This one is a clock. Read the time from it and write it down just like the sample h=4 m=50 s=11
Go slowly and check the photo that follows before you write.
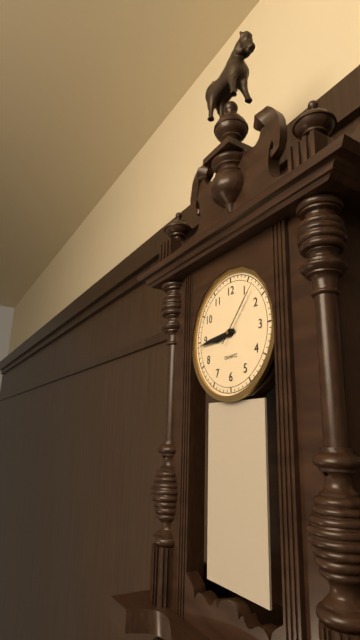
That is h=8 m=44 s=7
